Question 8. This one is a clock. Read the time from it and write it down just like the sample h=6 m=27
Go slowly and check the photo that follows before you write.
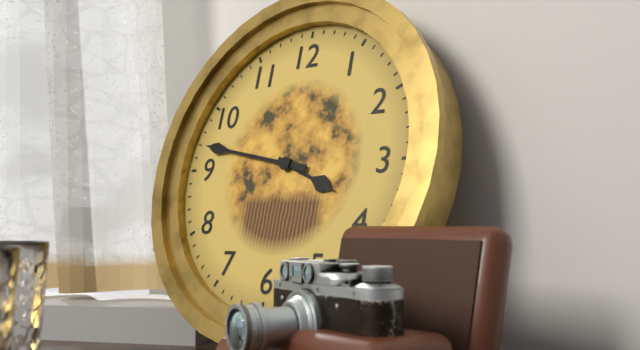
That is h=3 m=47
